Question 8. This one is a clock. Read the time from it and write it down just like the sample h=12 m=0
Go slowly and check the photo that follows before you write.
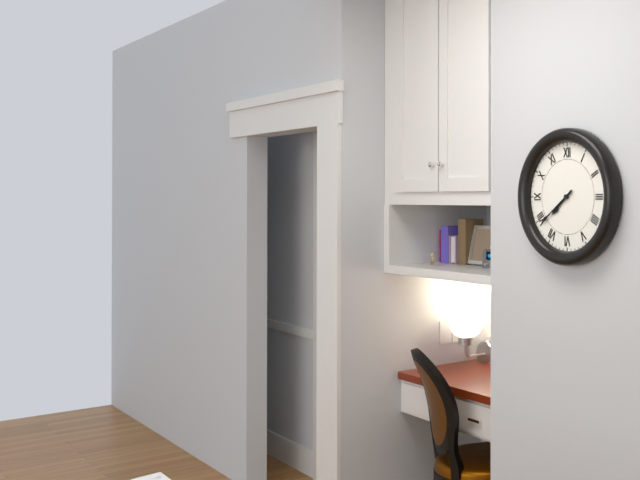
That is h=7 m=39
